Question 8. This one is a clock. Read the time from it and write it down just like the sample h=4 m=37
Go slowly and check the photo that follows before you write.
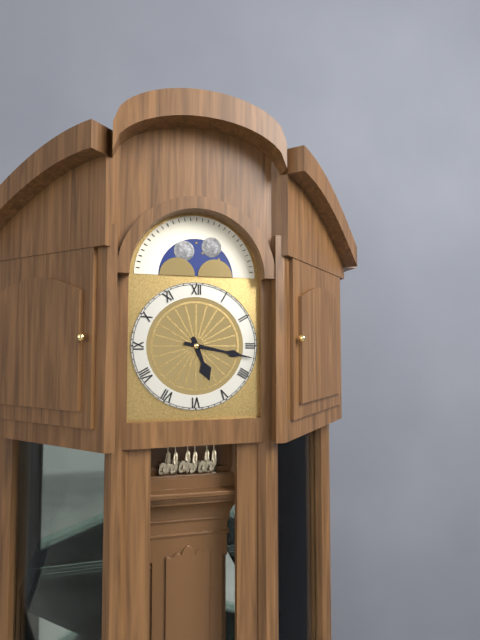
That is h=5 m=17
